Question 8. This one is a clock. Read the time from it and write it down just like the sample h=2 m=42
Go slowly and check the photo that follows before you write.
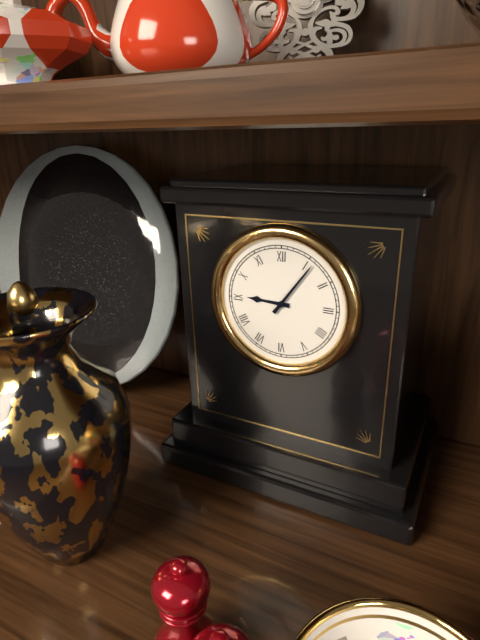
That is h=9 m=6
